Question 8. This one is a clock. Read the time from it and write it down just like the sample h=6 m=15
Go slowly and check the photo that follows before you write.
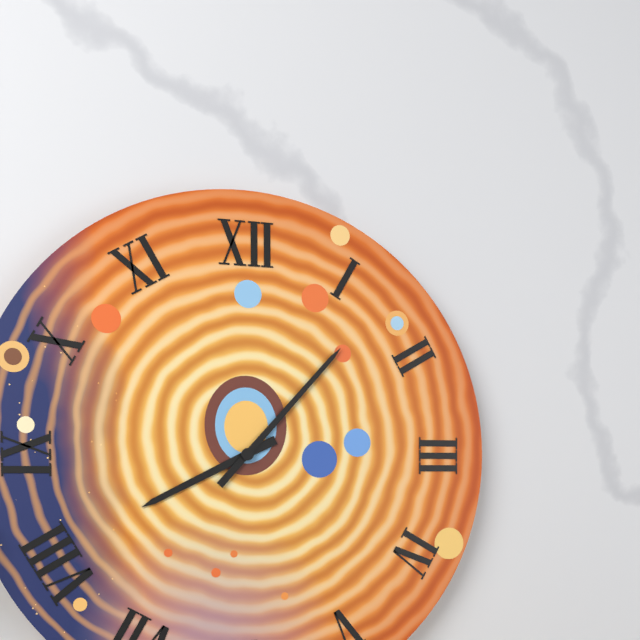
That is h=8 m=7
